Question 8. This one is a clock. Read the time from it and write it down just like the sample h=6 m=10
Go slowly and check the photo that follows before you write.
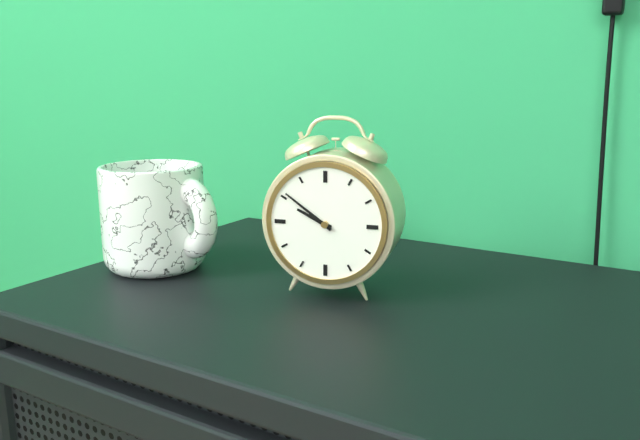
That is h=9 m=51
